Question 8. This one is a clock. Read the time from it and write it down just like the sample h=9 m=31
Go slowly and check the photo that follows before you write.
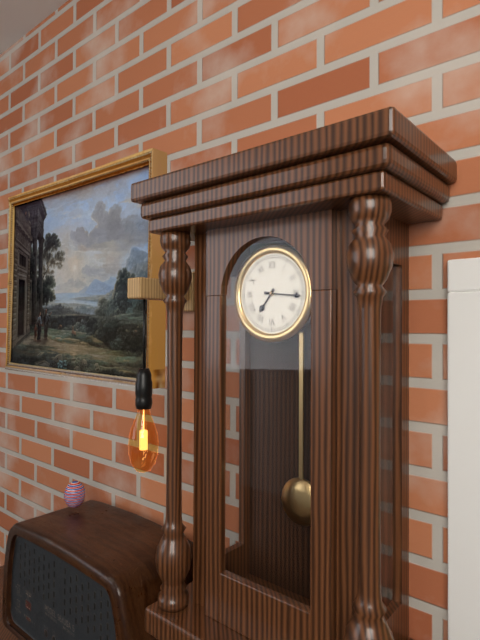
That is h=7 m=16
